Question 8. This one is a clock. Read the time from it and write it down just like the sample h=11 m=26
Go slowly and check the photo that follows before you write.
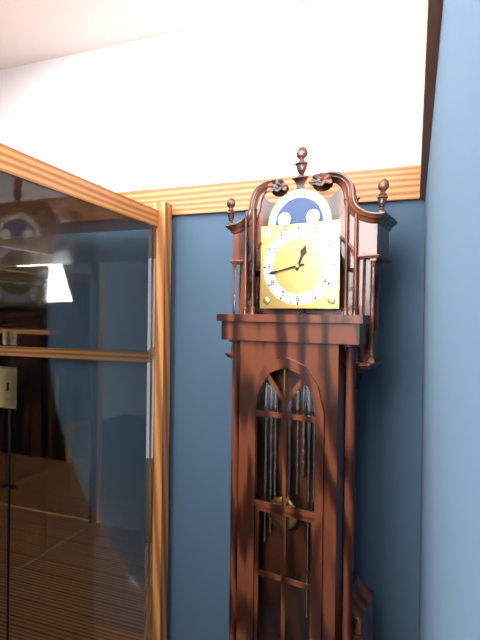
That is h=12 m=43
